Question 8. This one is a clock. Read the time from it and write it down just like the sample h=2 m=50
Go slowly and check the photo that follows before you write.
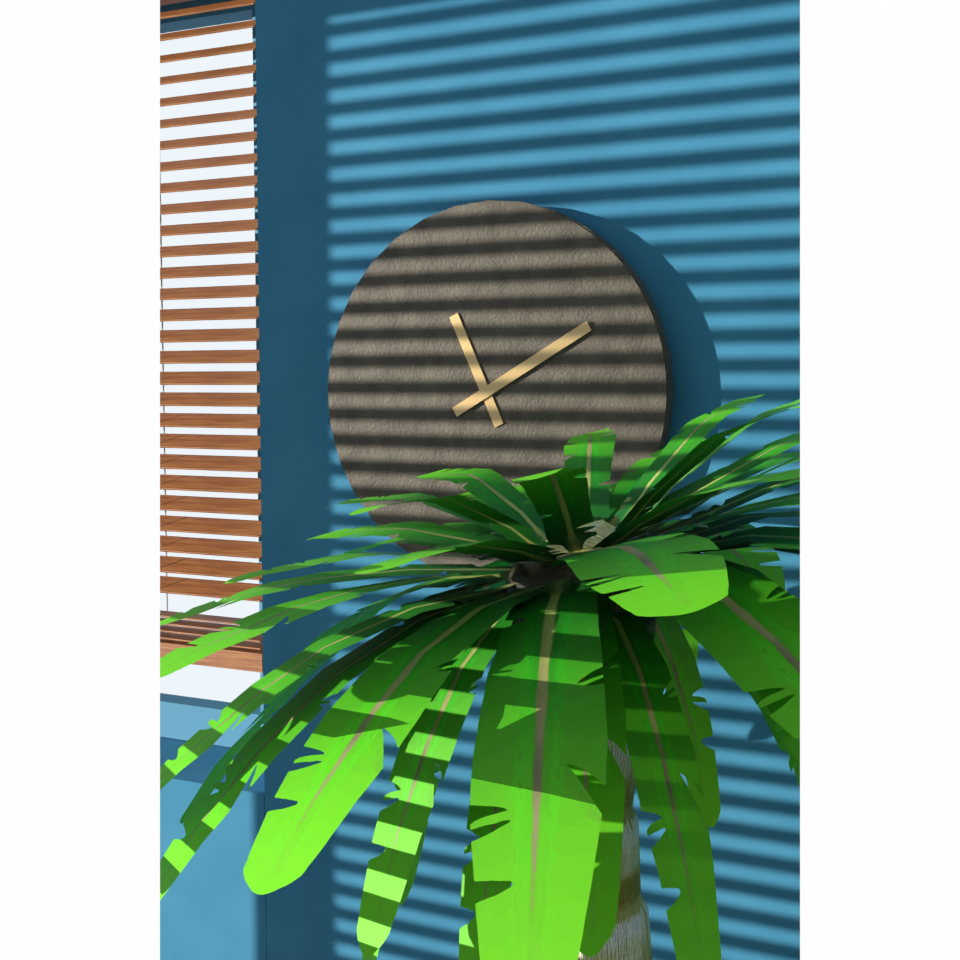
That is h=11 m=10
